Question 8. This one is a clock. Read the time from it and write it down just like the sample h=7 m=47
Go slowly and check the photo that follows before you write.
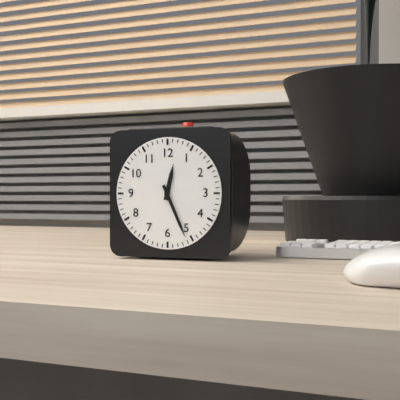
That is h=12 m=26
